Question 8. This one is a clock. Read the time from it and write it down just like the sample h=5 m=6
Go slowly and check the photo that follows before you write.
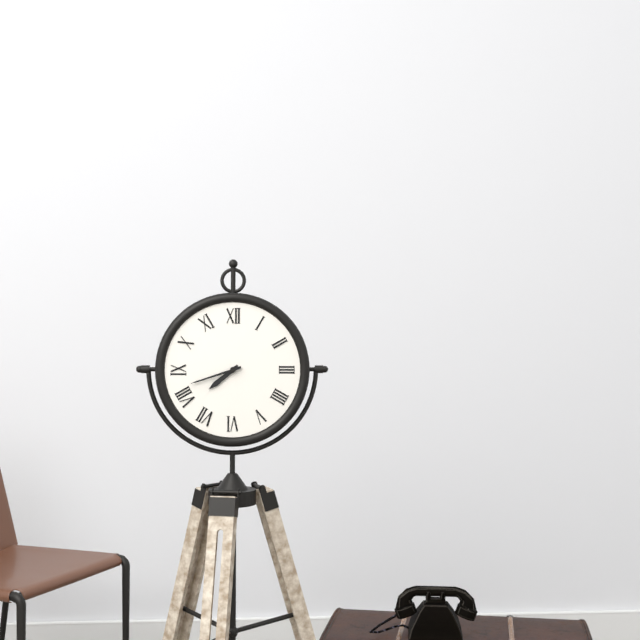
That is h=7 m=42
